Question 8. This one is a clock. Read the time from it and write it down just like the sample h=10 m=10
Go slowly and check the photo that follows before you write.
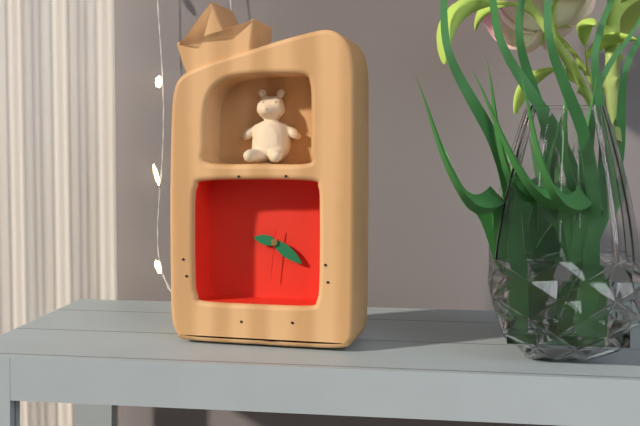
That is h=9 m=21
